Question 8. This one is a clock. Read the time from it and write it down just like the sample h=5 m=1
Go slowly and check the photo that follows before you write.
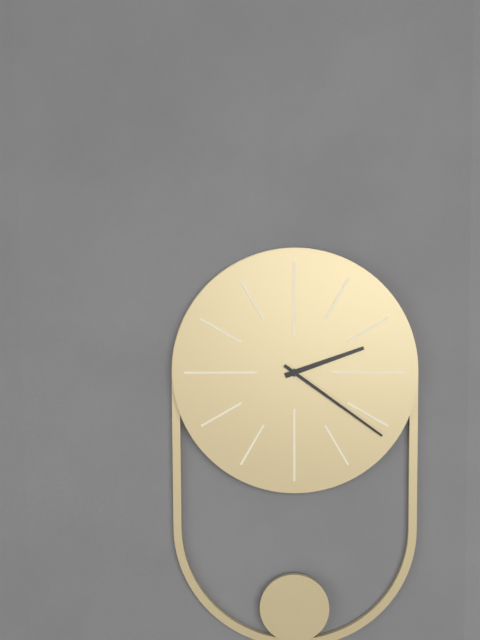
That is h=2 m=21
